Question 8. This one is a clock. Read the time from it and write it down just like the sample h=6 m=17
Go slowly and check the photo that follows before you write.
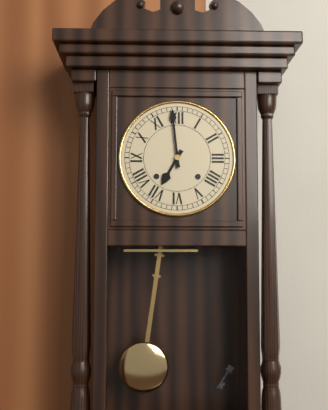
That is h=6 m=59
